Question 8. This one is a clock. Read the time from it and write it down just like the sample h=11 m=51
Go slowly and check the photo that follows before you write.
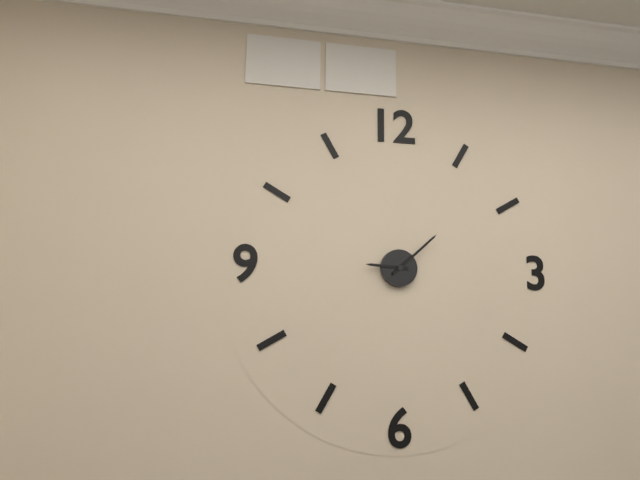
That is h=9 m=8
